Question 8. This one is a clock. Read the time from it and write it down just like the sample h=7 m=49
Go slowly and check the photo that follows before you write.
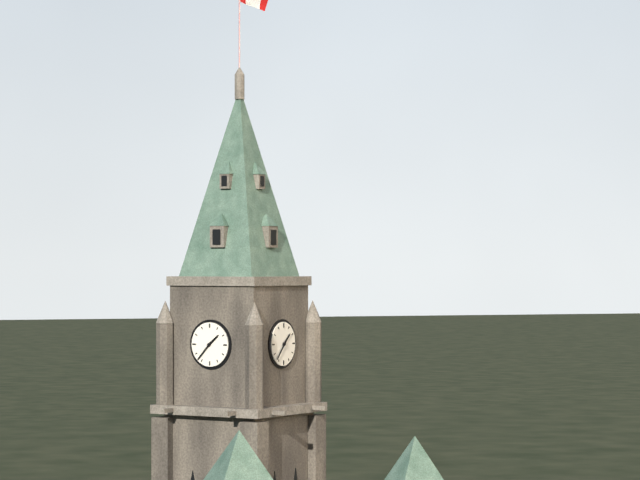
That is h=1 m=37
